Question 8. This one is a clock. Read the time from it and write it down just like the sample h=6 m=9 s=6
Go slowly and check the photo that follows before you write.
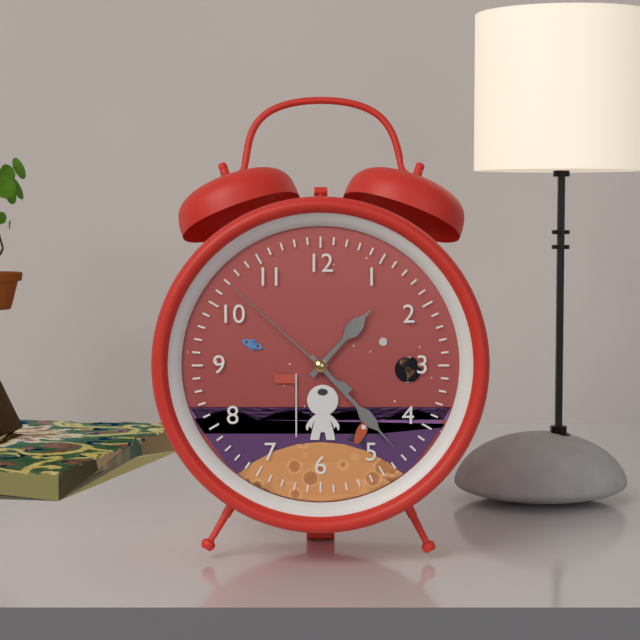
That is h=1 m=23 s=52
